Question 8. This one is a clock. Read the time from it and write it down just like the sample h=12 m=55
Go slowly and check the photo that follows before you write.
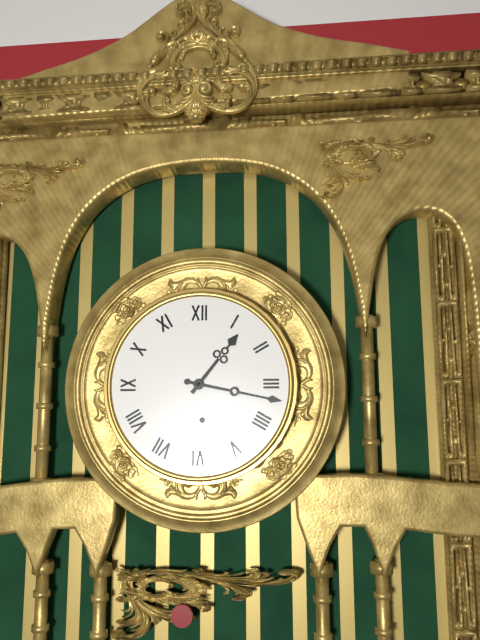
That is h=1 m=17
